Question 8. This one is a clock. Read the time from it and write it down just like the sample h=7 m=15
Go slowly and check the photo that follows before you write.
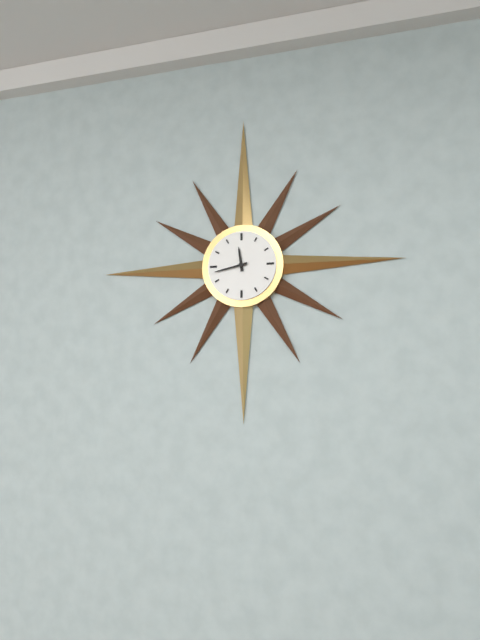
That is h=11 m=43
